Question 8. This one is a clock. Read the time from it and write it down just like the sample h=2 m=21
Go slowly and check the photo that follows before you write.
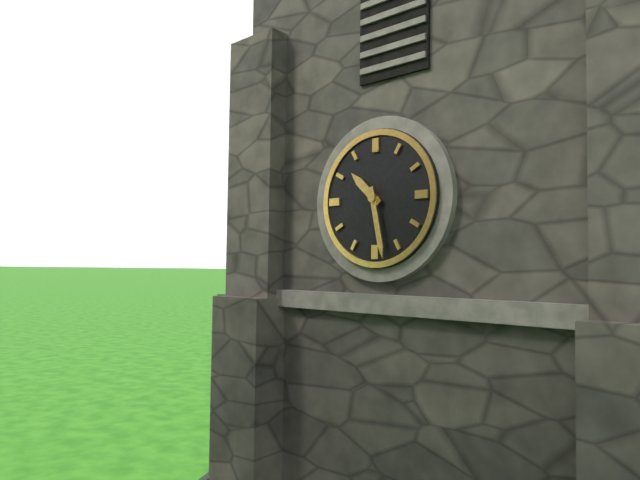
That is h=10 m=28
